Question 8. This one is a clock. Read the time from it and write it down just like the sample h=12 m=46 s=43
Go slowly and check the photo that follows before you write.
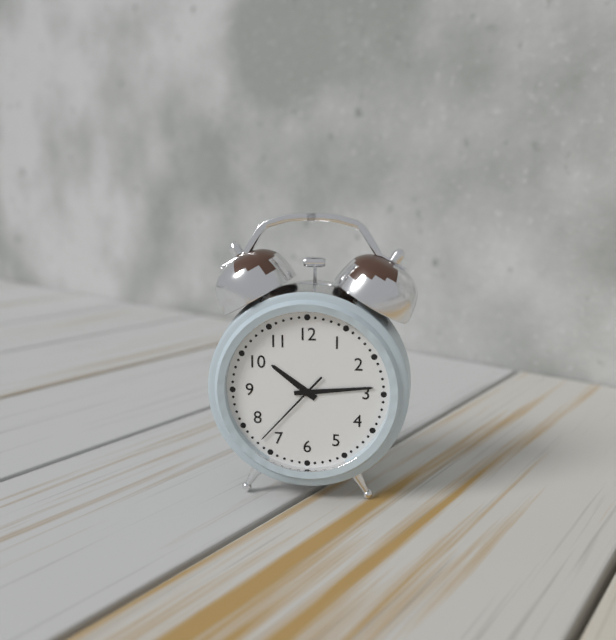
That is h=10 m=14 s=37
